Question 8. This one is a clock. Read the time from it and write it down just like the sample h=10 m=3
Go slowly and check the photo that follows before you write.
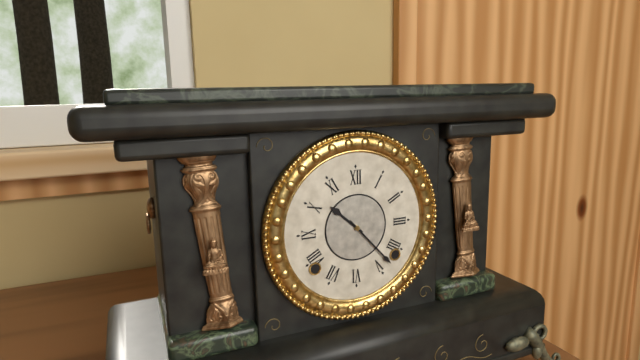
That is h=10 m=23
